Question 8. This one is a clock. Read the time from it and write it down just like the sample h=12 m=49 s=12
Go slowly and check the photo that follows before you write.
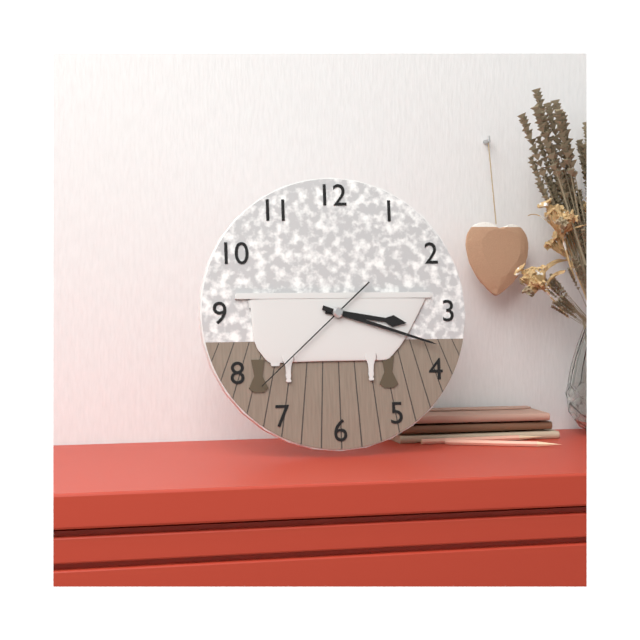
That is h=3 m=18 s=38
